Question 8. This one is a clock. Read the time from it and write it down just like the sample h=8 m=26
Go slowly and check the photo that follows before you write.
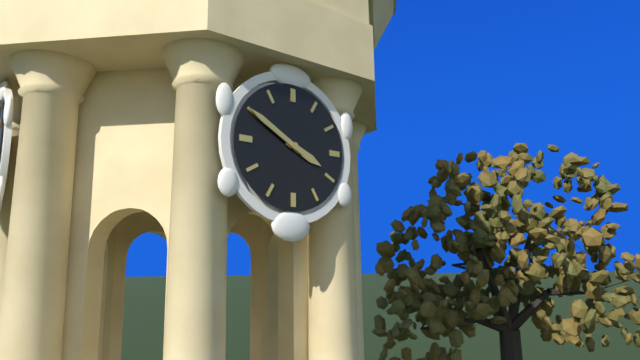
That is h=3 m=50
